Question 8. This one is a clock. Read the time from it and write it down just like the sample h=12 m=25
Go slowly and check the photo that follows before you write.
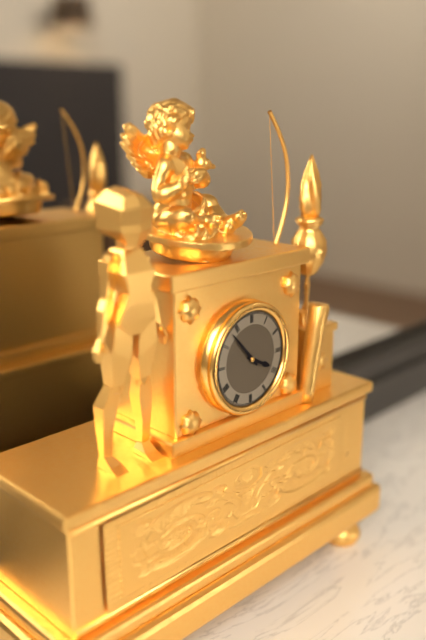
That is h=3 m=53
